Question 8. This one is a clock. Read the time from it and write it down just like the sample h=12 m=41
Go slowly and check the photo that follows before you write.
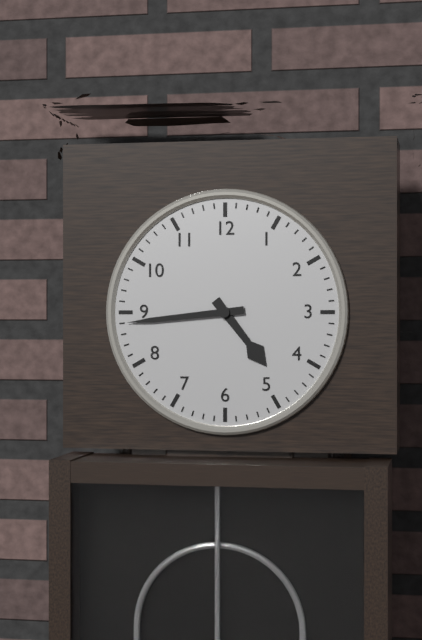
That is h=4 m=44
